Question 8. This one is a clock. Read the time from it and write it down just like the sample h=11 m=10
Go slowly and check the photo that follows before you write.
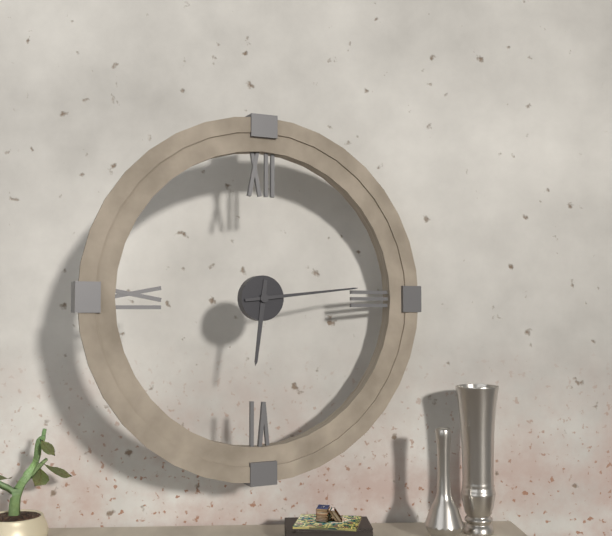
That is h=6 m=14
